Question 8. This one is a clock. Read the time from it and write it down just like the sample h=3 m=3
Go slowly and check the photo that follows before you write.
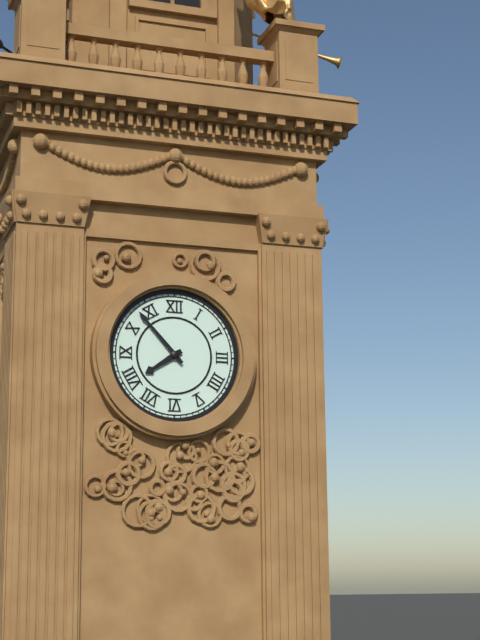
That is h=7 m=53
